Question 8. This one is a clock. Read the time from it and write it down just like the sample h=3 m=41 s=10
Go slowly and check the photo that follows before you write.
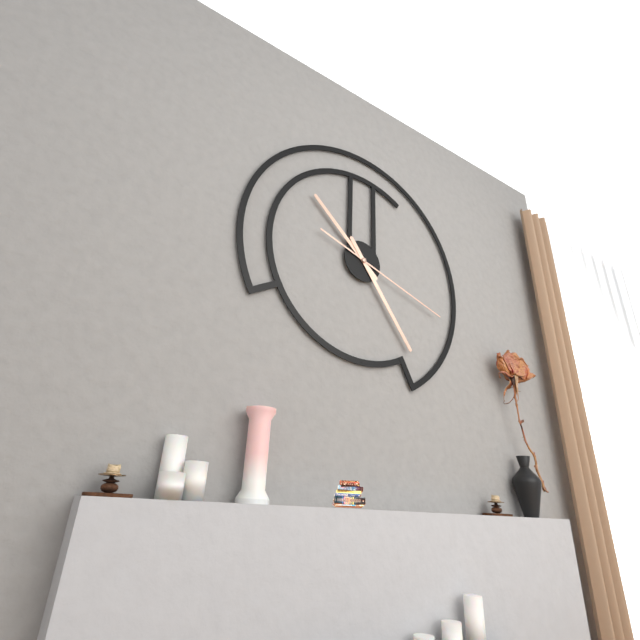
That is h=10 m=24 s=18
